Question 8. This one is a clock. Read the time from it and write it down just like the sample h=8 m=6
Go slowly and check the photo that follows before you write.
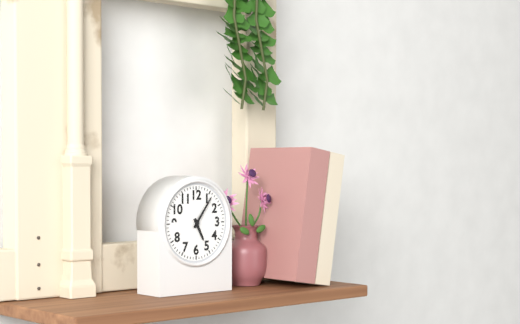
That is h=5 m=6
